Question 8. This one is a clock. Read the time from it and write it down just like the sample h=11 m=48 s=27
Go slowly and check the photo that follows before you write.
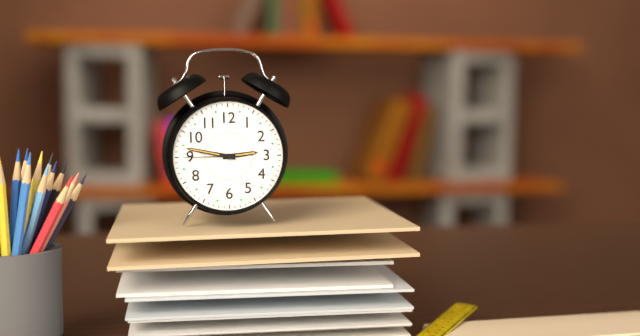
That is h=2 m=47 s=45
